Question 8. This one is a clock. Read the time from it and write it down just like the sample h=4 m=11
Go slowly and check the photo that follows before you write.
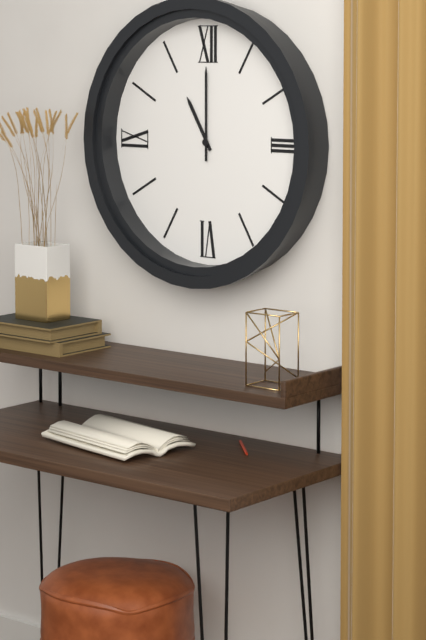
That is h=11 m=0
